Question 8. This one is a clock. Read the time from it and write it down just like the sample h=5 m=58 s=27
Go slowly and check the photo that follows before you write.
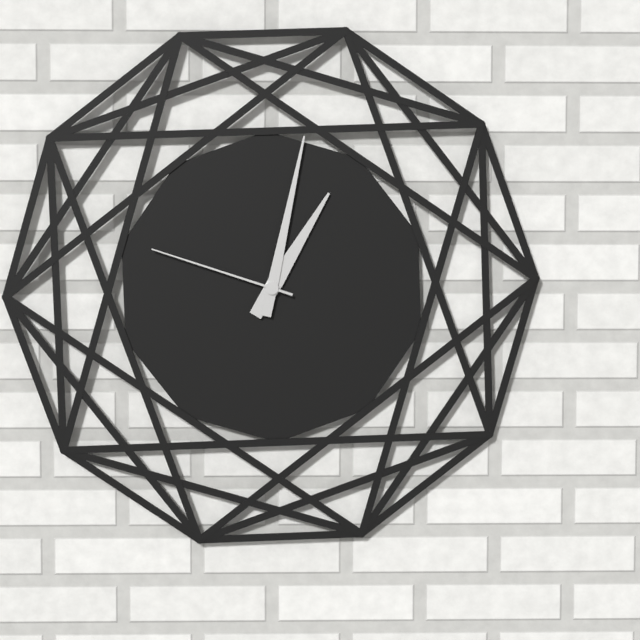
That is h=1 m=2 s=48
